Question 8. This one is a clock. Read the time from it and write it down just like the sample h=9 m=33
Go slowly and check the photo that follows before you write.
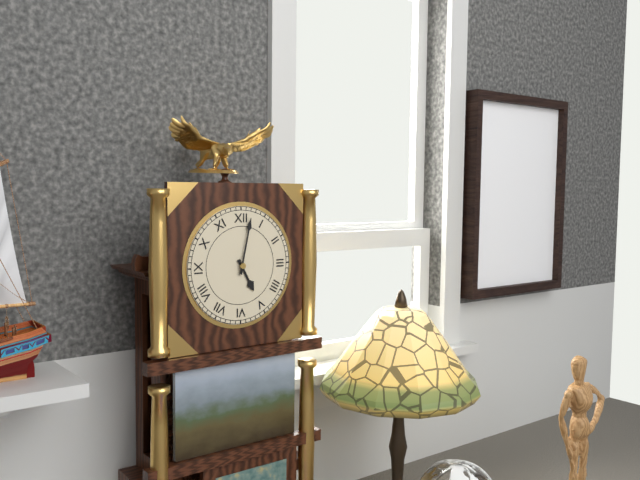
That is h=5 m=2
